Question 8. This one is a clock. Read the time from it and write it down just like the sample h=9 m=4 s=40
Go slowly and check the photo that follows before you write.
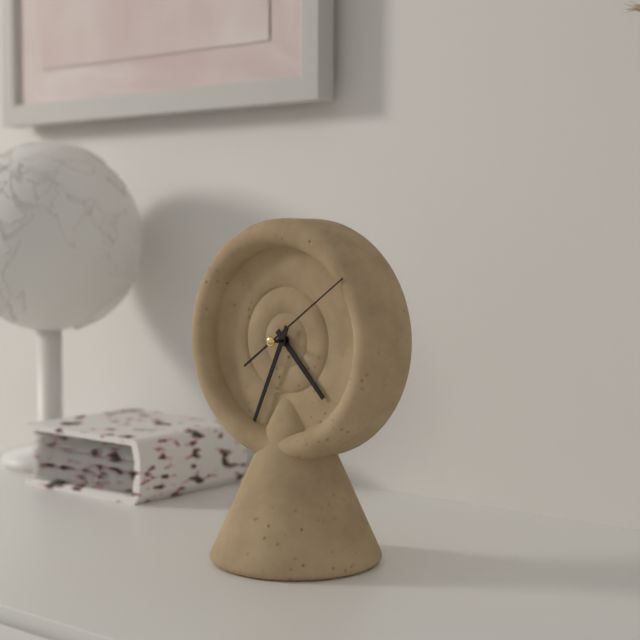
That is h=4 m=34 s=9
